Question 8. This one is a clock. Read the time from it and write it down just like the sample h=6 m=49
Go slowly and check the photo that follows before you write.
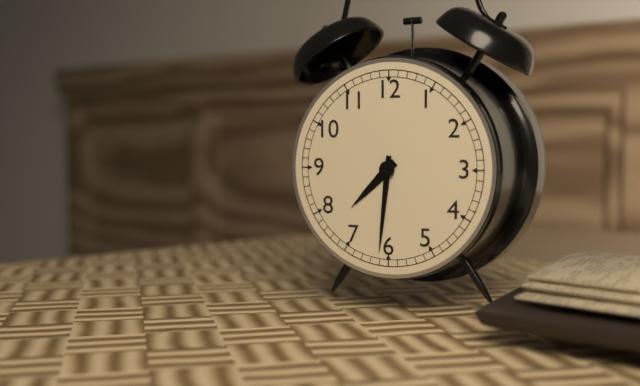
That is h=7 m=31
